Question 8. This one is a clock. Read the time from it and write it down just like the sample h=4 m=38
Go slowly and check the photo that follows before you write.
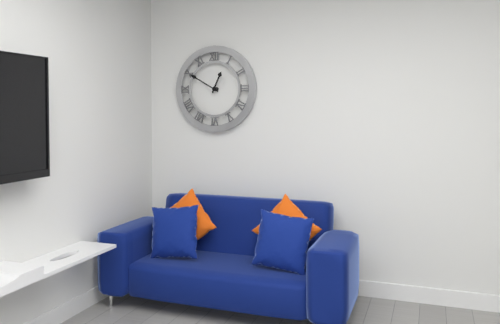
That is h=12 m=50
